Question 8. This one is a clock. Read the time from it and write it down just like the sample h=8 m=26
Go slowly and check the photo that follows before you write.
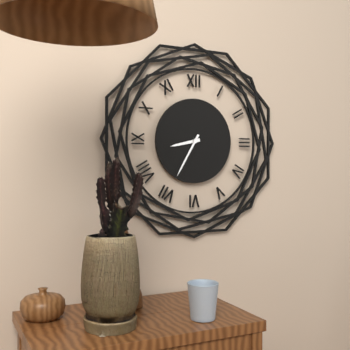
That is h=8 m=35
